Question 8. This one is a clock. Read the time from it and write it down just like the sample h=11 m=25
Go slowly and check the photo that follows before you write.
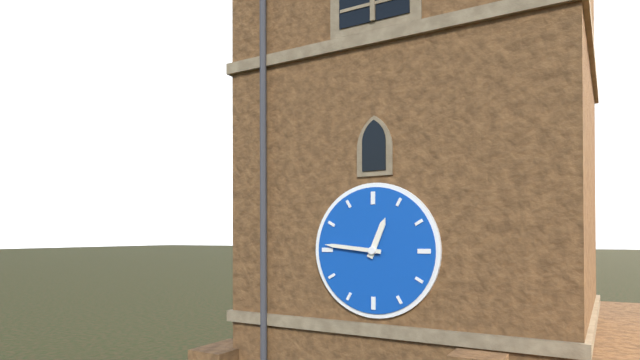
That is h=12 m=46
